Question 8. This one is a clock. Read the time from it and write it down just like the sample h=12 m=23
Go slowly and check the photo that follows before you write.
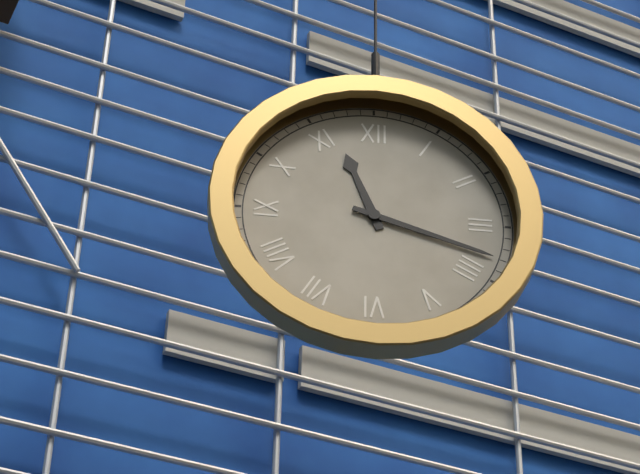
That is h=11 m=18
